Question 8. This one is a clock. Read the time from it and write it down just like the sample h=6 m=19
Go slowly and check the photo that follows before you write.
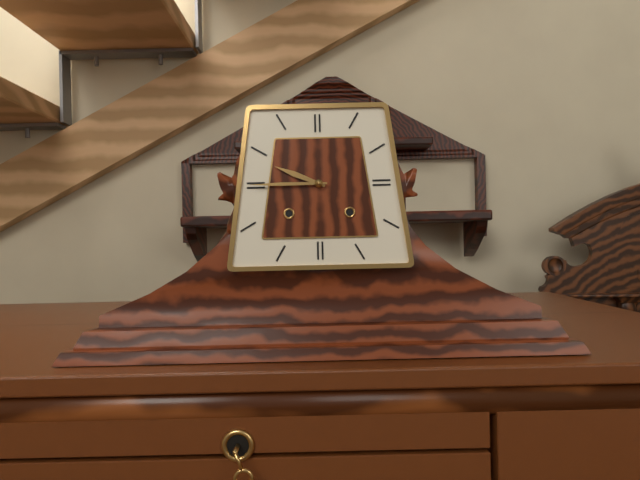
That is h=9 m=45
